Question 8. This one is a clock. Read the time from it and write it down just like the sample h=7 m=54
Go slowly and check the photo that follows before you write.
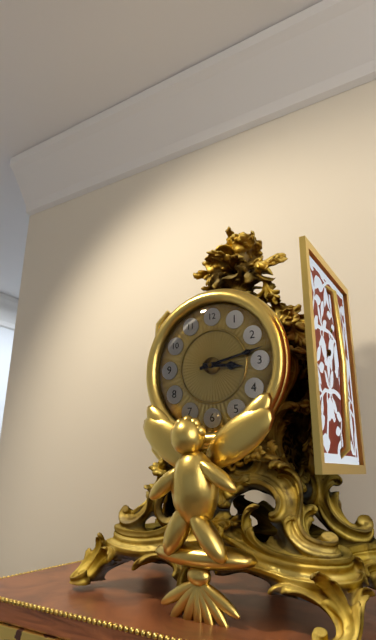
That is h=3 m=13
